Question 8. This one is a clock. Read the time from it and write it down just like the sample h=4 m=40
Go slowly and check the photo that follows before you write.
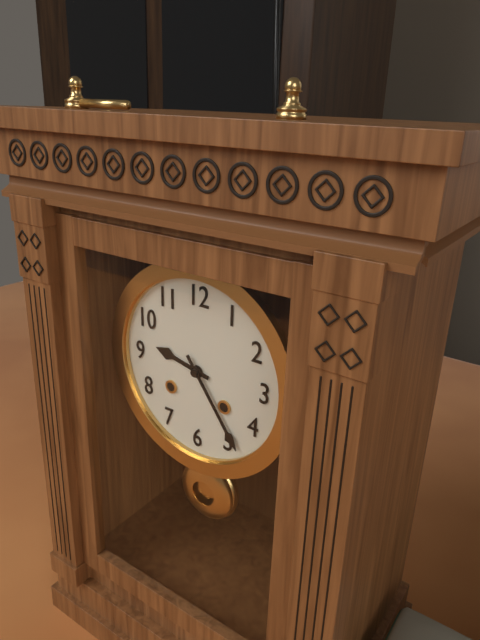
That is h=9 m=24
